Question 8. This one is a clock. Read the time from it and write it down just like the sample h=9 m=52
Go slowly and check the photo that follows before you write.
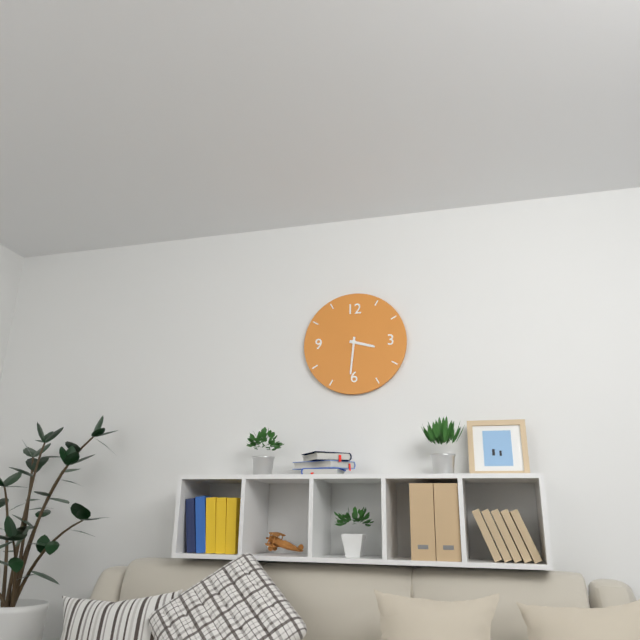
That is h=3 m=31
